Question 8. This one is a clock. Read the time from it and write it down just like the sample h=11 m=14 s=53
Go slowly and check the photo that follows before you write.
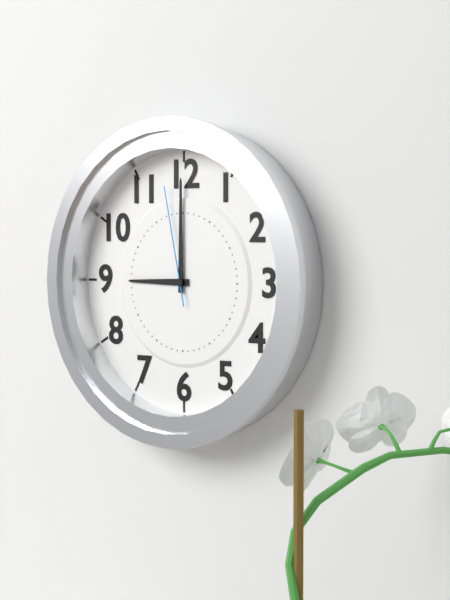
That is h=9 m=0 s=58
